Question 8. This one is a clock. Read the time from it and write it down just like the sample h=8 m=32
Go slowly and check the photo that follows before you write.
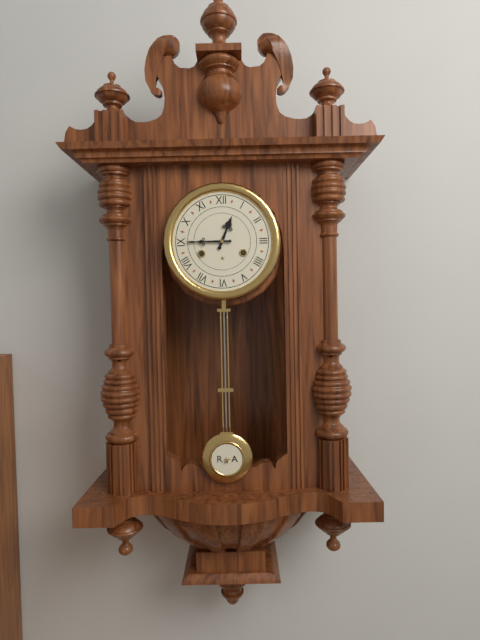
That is h=12 m=45
